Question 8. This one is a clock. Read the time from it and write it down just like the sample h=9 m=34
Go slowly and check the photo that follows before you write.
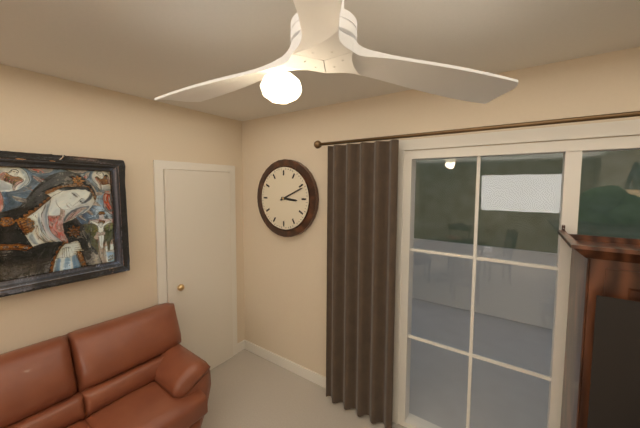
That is h=3 m=11
